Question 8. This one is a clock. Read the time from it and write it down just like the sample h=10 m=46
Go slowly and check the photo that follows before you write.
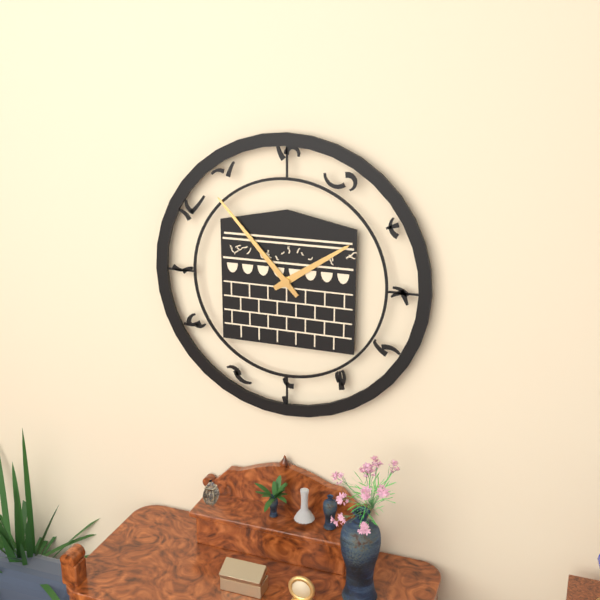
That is h=1 m=53
